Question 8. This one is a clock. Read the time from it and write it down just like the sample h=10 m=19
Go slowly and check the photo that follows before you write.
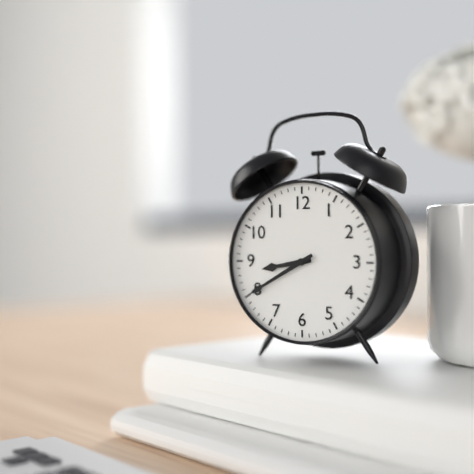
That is h=8 m=40
